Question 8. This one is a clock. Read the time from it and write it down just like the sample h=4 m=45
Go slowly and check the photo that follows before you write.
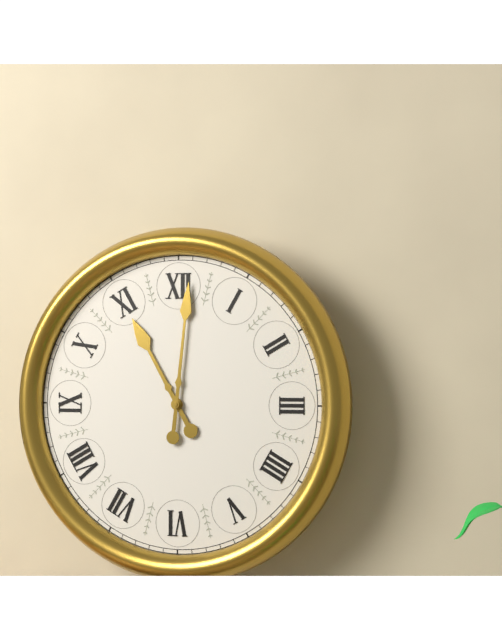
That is h=11 m=1
